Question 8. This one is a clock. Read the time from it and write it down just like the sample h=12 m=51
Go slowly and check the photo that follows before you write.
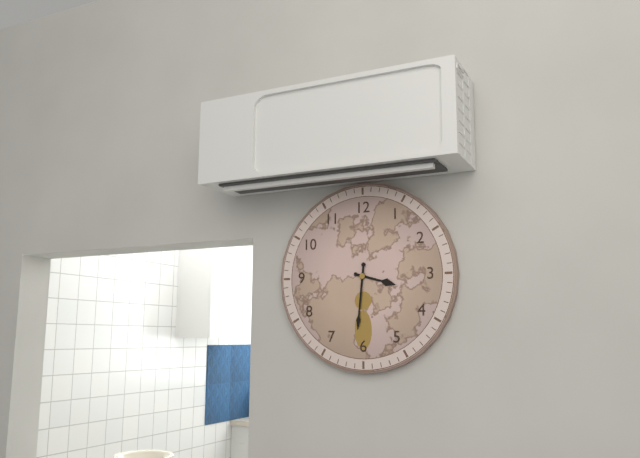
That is h=3 m=31
